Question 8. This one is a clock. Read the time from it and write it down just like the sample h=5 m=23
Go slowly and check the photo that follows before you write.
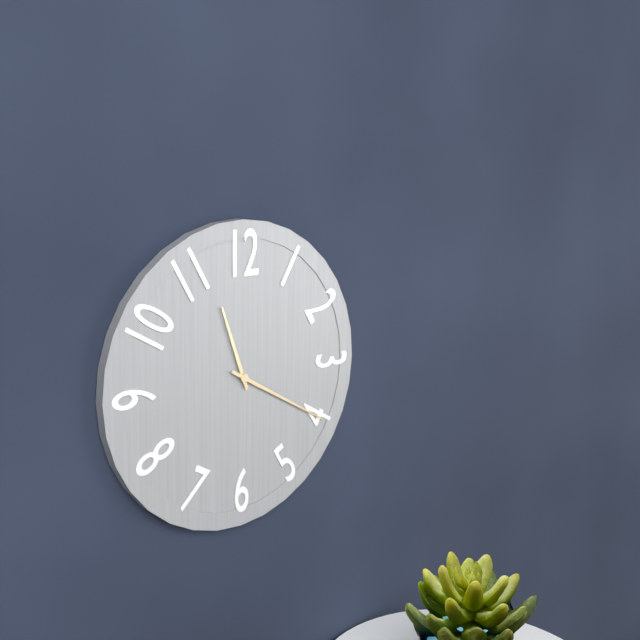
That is h=11 m=20
